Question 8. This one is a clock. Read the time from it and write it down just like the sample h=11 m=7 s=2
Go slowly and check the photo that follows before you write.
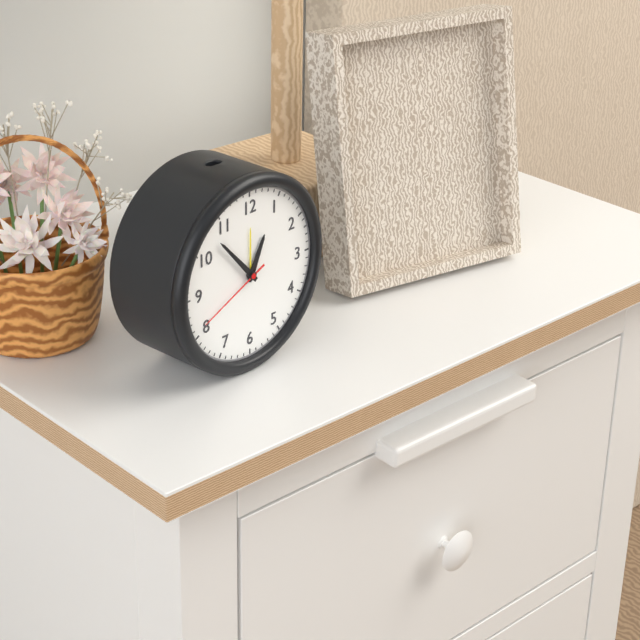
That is h=12 m=53 s=41
